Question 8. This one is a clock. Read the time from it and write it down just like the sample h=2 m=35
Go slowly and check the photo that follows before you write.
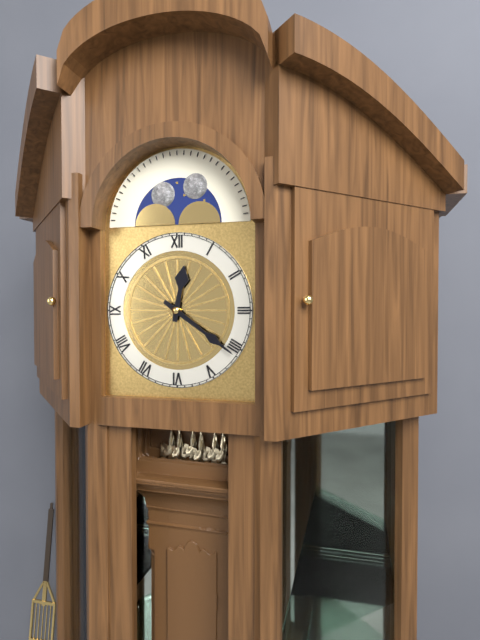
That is h=12 m=21
